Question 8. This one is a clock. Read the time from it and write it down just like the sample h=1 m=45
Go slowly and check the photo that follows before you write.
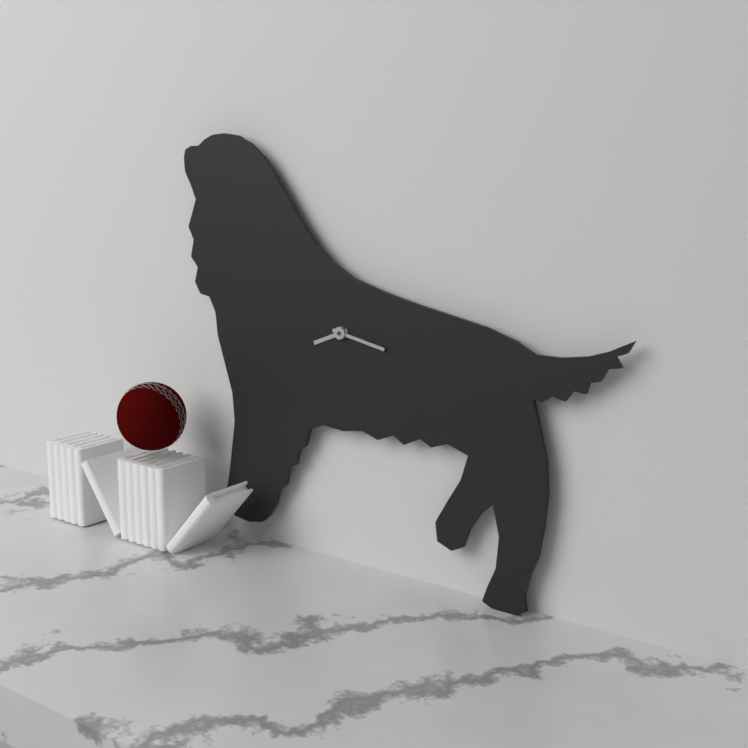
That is h=8 m=17
